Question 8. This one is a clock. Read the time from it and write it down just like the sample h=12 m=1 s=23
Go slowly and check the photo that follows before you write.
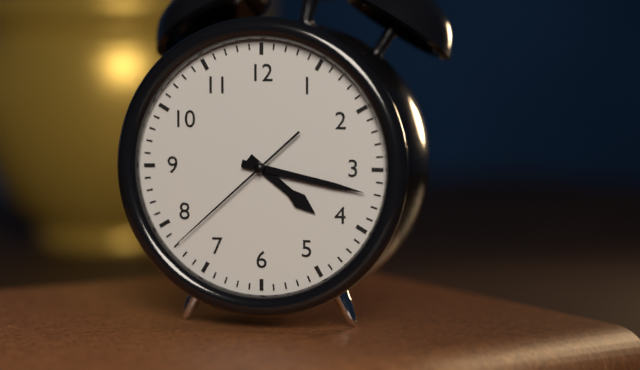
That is h=4 m=17 s=38
